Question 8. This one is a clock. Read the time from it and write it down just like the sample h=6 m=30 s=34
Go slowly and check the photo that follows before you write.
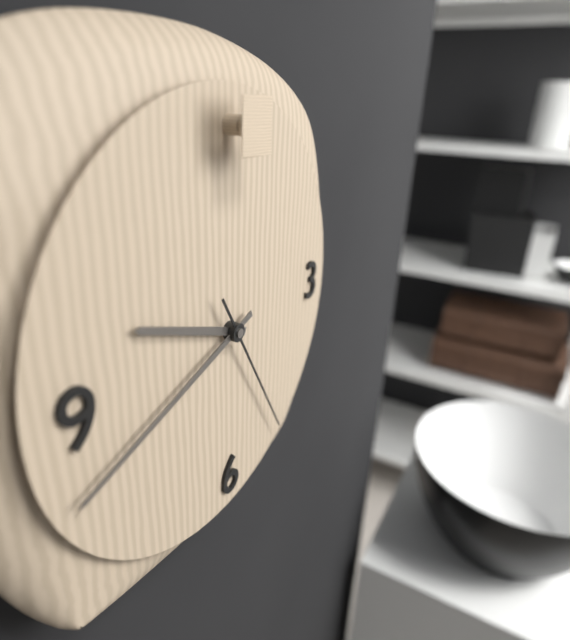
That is h=9 m=42 s=25
